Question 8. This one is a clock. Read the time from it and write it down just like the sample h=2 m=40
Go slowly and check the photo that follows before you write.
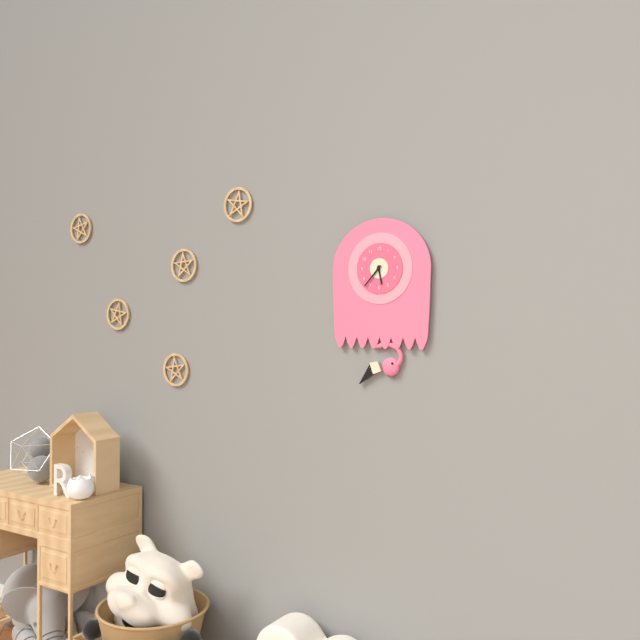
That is h=5 m=37
